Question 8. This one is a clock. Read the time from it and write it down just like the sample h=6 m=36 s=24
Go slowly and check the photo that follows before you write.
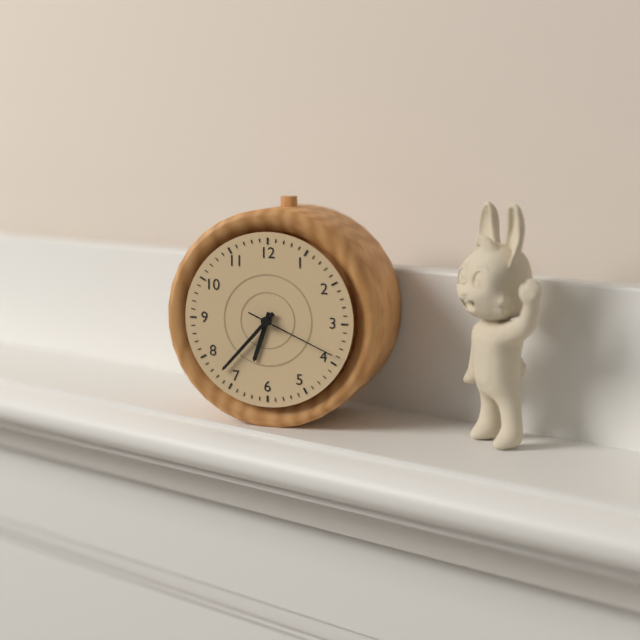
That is h=6 m=37 s=19
